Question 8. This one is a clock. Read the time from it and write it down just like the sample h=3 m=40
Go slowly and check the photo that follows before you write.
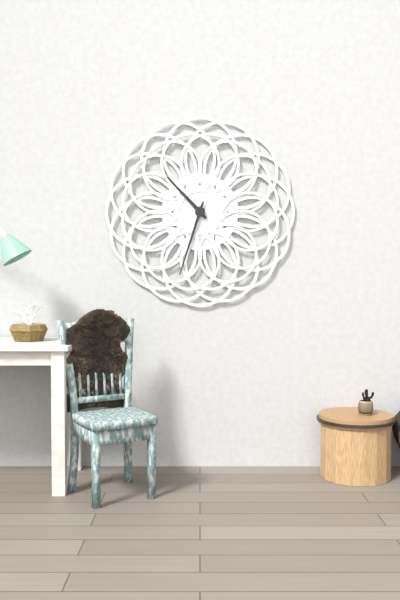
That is h=10 m=33
